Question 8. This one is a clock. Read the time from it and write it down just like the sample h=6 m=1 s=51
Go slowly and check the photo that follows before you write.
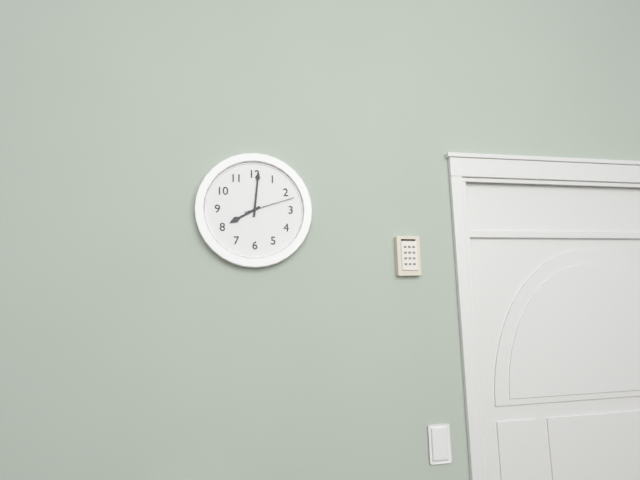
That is h=8 m=1 s=12
